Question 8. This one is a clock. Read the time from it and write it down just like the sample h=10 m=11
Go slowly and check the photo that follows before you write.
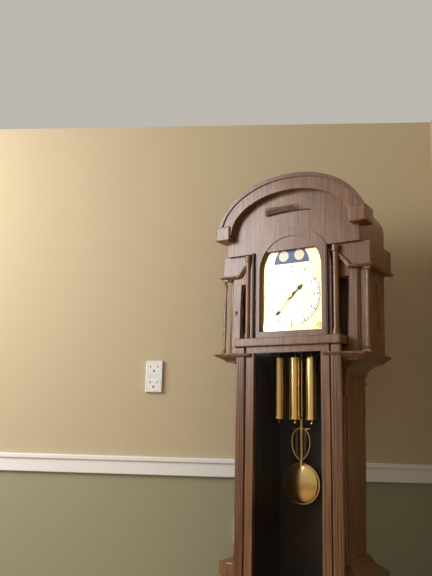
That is h=1 m=37
